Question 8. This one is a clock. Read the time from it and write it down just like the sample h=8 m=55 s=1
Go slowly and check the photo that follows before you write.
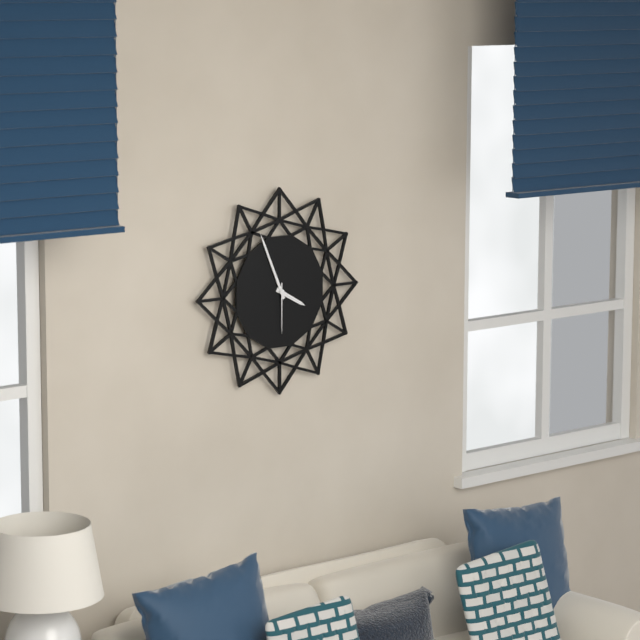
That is h=3 m=56 s=30
